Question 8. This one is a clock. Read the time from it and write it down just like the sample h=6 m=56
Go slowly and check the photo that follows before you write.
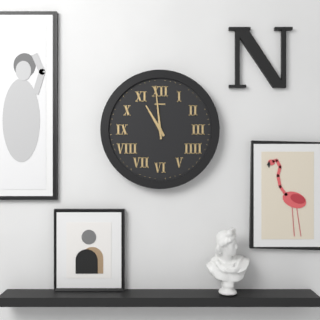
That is h=10 m=59
